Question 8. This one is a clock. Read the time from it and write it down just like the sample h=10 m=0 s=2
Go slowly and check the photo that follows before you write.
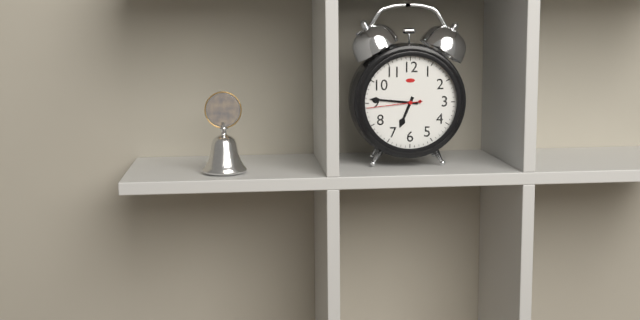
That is h=6 m=46 s=44
